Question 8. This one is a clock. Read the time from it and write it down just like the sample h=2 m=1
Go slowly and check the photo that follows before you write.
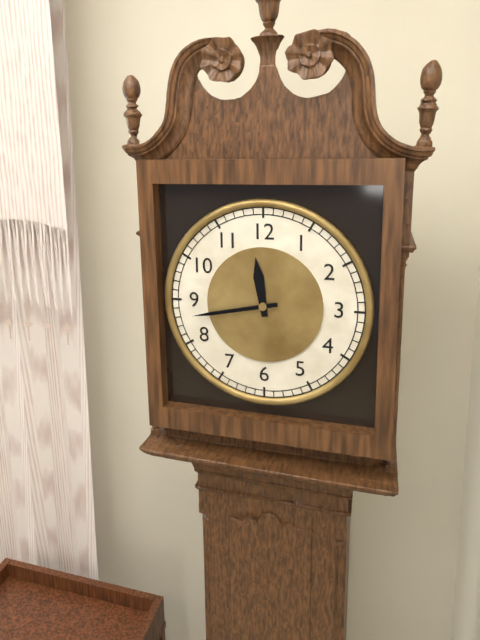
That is h=11 m=43
